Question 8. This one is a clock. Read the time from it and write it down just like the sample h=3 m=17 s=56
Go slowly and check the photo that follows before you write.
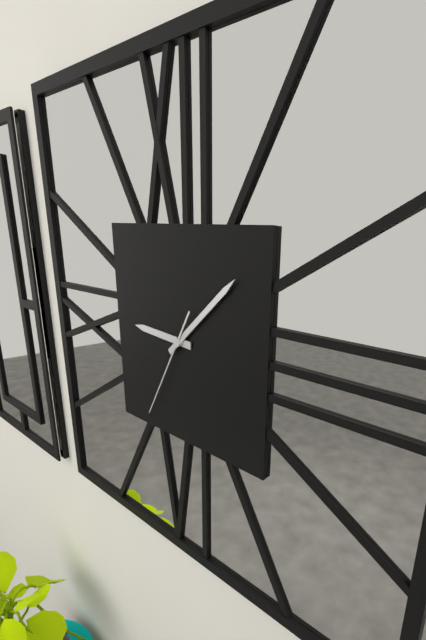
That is h=9 m=8 s=35
